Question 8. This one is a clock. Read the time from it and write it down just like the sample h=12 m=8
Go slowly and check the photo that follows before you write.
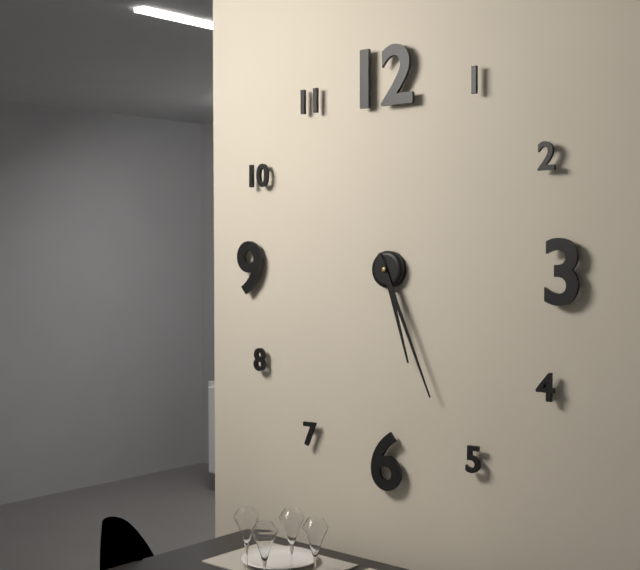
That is h=5 m=26
